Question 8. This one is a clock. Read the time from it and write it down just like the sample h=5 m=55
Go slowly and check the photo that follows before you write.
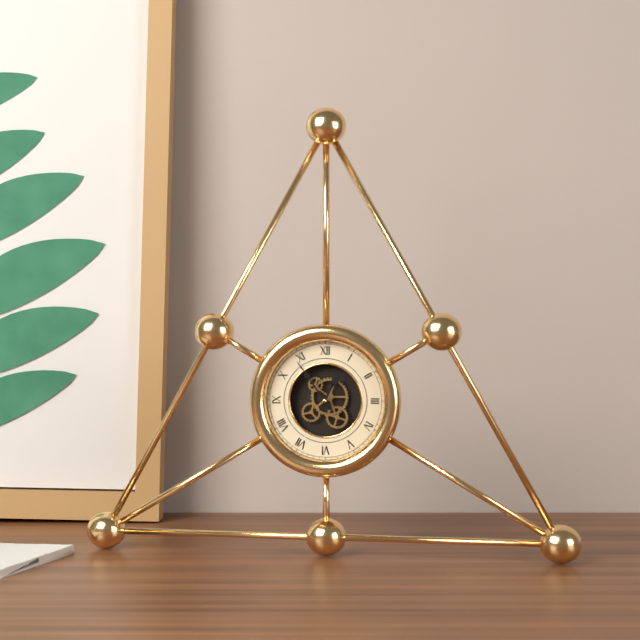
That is h=12 m=54
